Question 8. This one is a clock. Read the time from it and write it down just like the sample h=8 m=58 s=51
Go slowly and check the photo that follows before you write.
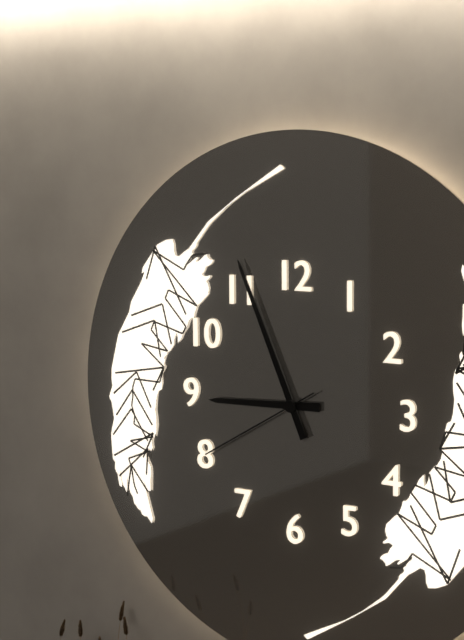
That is h=8 m=56 s=40
